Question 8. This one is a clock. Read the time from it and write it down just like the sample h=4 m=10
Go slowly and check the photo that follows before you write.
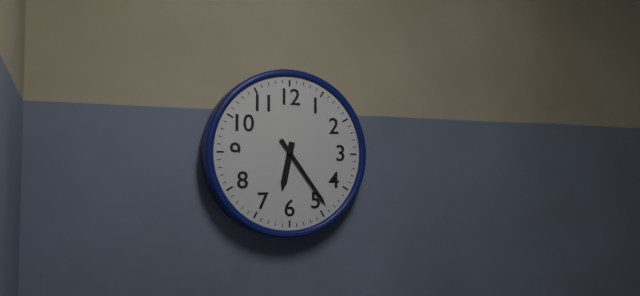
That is h=6 m=24
